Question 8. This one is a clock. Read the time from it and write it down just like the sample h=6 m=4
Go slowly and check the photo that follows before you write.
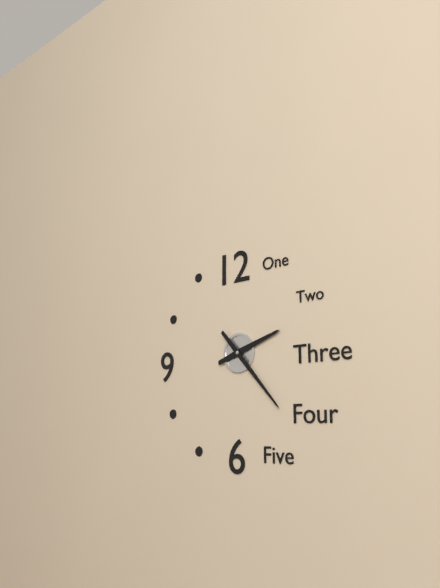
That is h=2 m=23
